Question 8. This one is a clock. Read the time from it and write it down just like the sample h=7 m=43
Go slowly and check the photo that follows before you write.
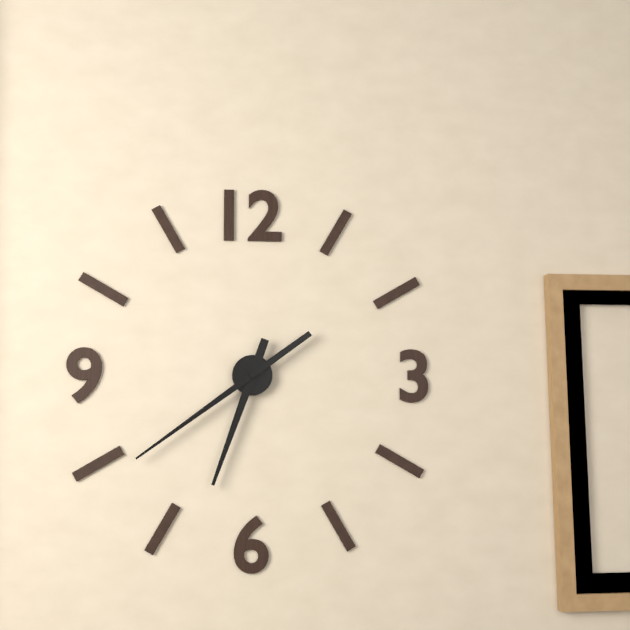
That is h=6 m=39
